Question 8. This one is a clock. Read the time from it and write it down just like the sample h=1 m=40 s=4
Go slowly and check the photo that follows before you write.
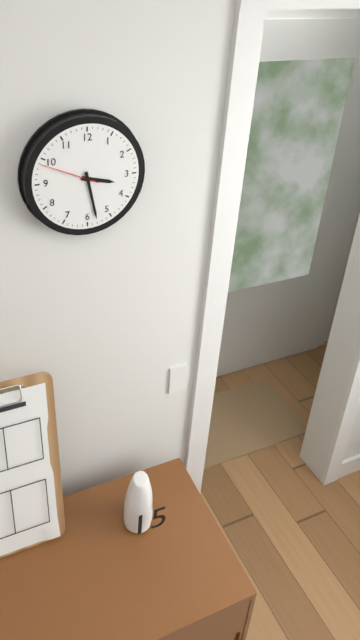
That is h=3 m=28 s=49
